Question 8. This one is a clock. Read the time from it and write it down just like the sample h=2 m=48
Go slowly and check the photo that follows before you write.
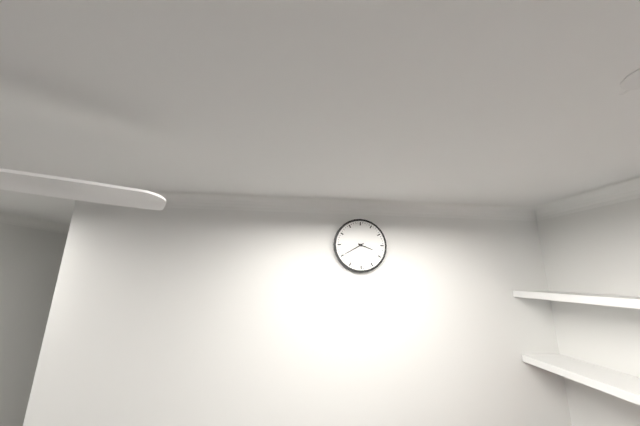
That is h=3 m=40
